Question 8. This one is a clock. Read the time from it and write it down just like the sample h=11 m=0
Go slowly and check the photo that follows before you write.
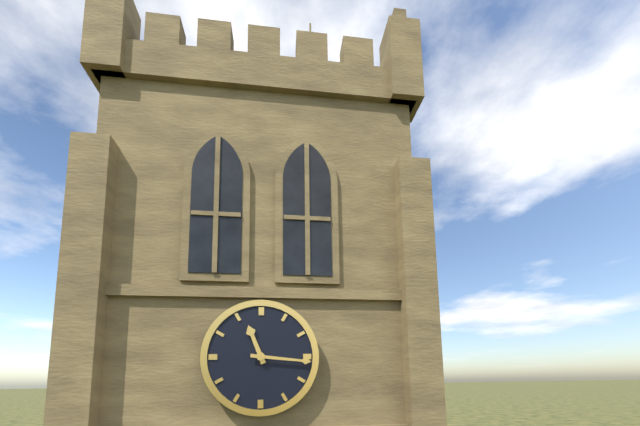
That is h=11 m=16
